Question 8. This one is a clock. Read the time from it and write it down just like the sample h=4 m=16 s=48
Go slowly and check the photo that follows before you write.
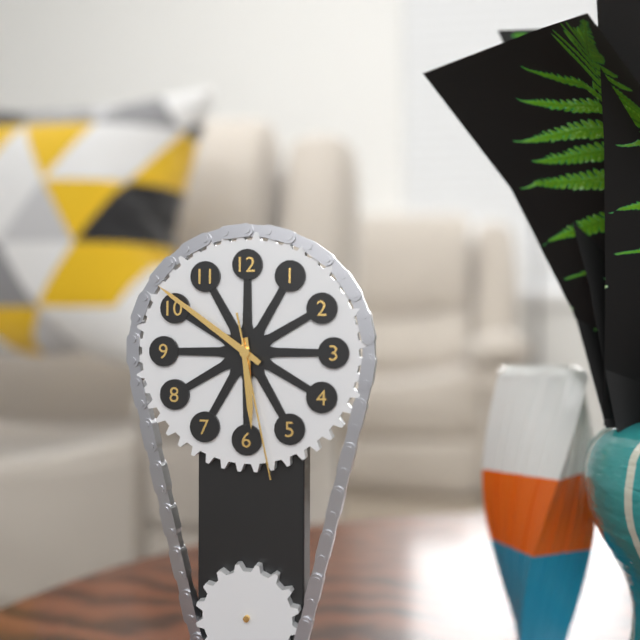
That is h=5 m=51 s=28
